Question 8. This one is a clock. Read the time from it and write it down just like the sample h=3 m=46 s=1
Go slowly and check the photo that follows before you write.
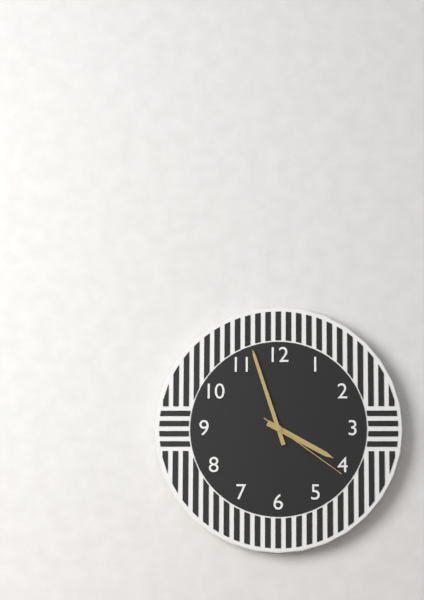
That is h=3 m=57 s=21
